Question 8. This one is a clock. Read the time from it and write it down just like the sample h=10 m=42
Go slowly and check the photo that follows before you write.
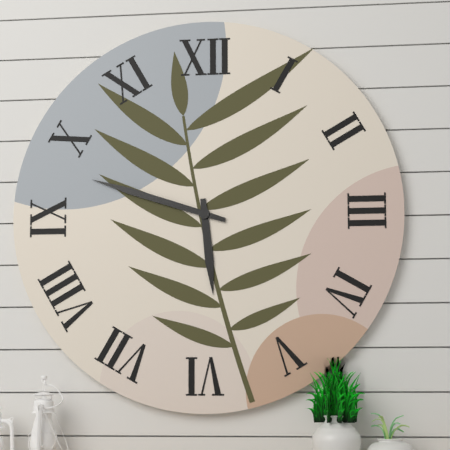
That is h=5 m=48
